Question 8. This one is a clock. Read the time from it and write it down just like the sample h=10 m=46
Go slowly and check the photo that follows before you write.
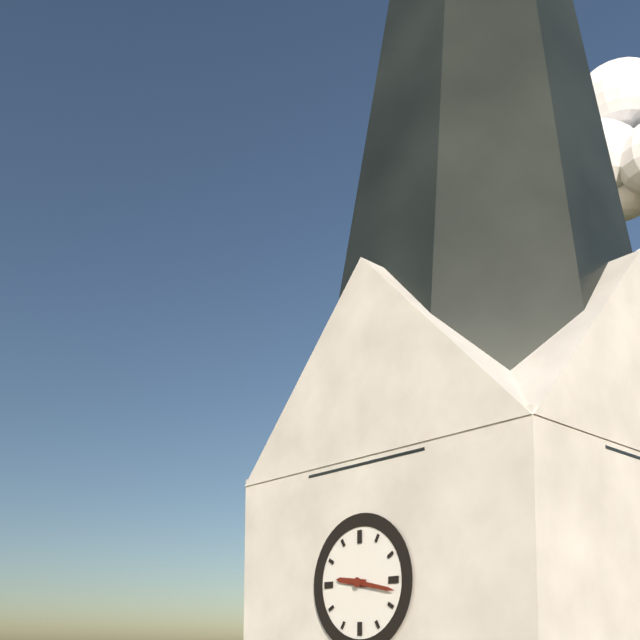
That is h=9 m=17
